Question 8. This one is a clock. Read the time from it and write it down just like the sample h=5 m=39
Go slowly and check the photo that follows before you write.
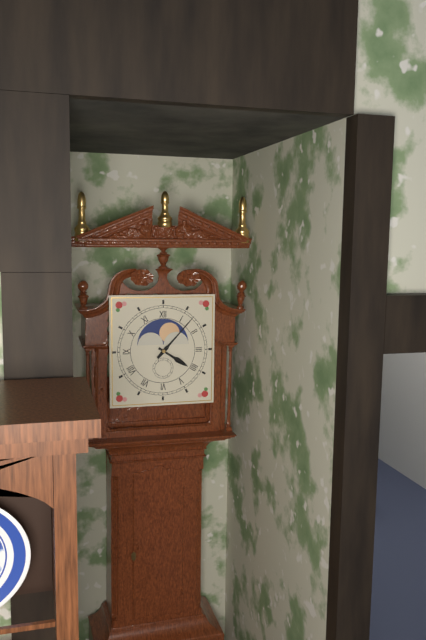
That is h=4 m=7
